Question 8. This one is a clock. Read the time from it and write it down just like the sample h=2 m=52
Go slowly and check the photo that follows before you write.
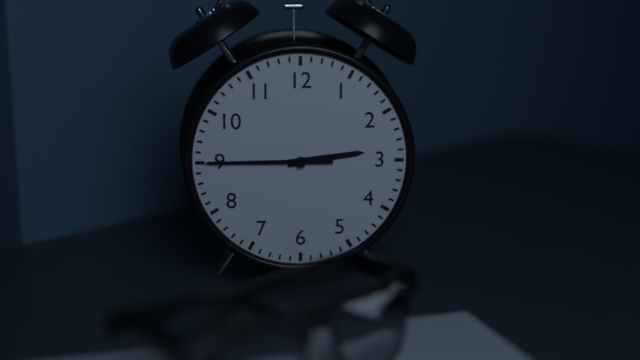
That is h=2 m=45
